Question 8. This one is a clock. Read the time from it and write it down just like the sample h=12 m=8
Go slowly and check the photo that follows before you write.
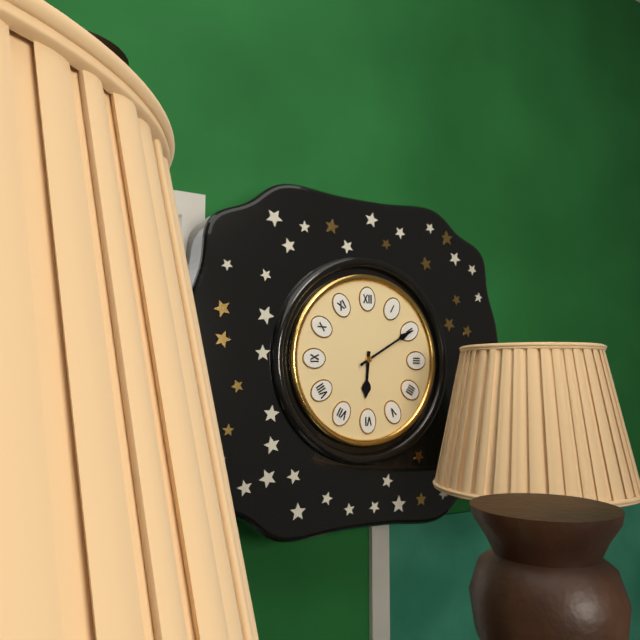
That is h=6 m=10
